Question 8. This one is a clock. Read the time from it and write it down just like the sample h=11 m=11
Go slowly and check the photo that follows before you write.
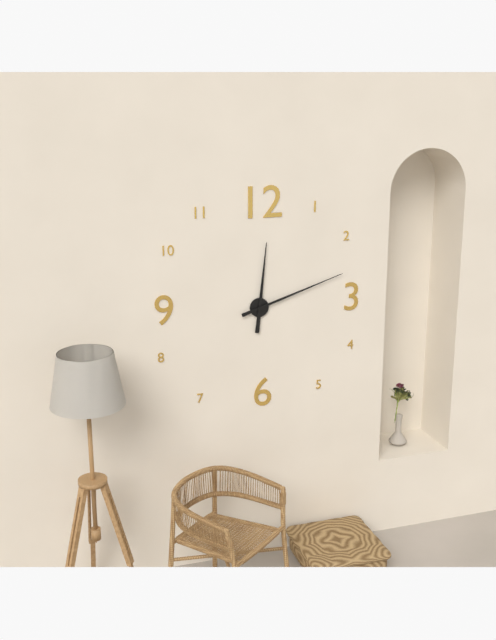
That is h=12 m=12
